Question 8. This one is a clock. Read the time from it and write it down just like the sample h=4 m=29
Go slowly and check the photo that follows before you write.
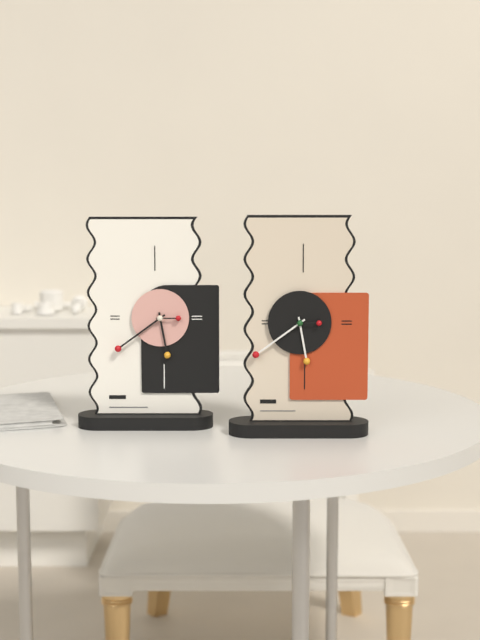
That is h=5 m=39
